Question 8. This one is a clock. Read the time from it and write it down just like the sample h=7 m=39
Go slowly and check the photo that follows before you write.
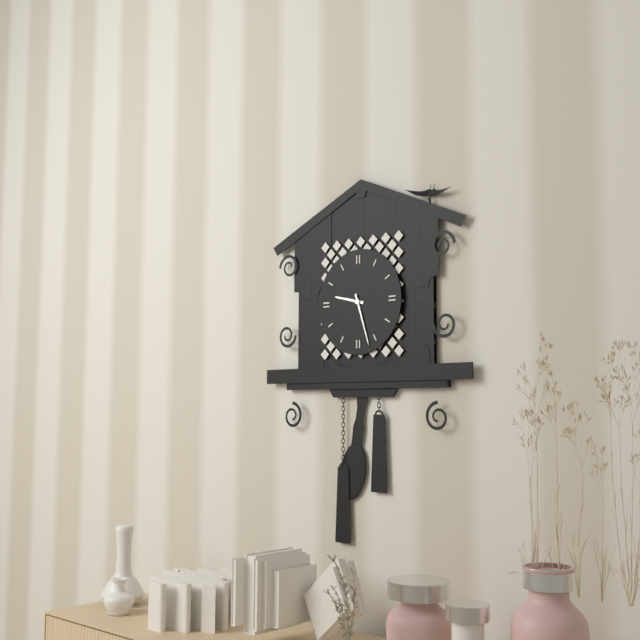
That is h=9 m=27
